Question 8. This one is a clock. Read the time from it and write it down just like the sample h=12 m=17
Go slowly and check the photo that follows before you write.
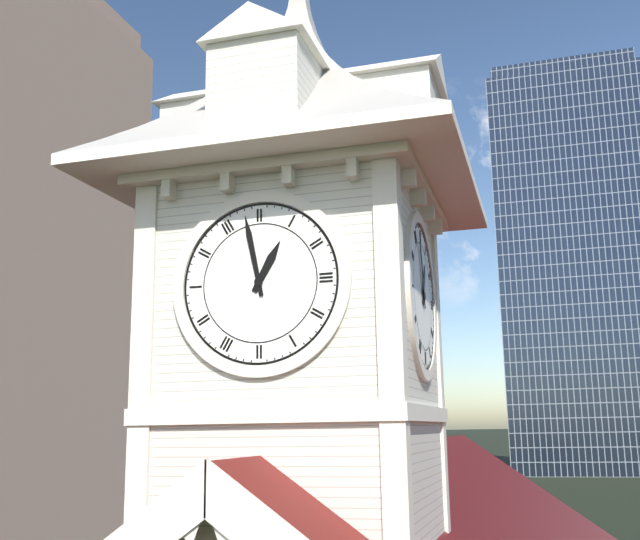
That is h=12 m=58
